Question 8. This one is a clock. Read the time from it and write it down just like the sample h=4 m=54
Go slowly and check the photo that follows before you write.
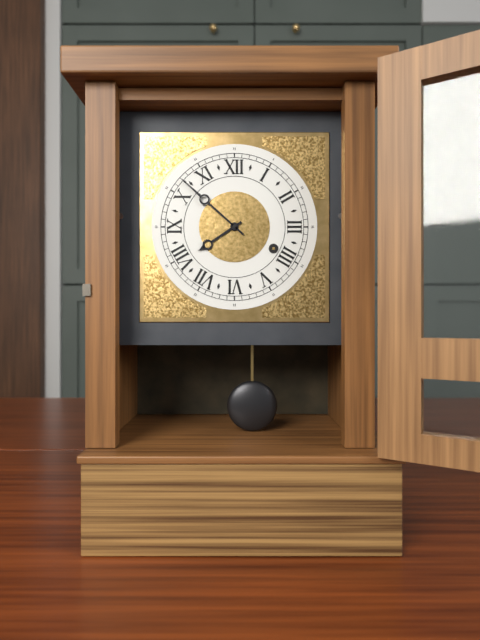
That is h=7 m=52
